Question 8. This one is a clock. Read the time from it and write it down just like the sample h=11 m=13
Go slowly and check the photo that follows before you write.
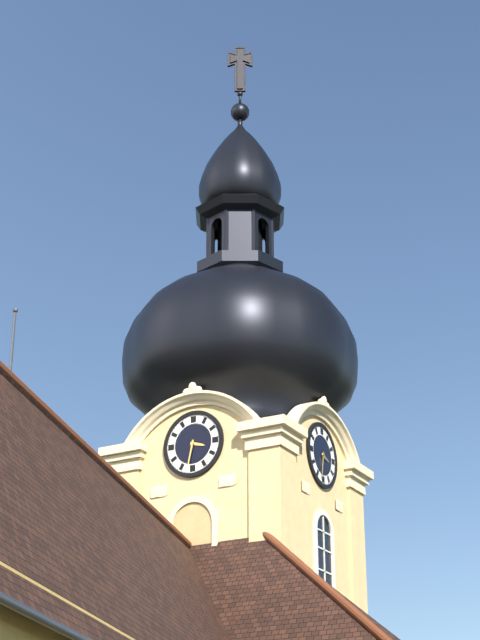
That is h=3 m=32
